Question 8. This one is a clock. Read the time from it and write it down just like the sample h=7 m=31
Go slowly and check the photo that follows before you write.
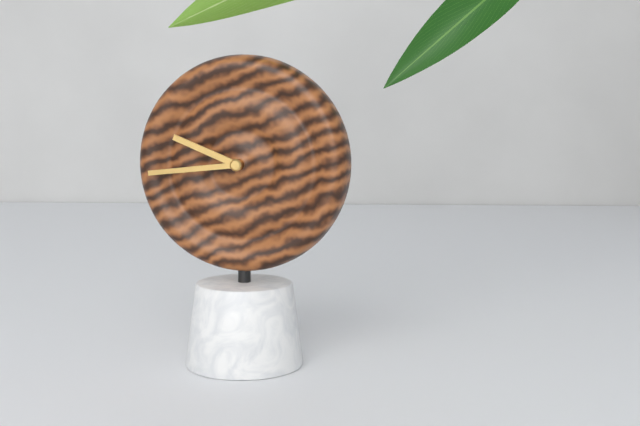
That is h=9 m=44
